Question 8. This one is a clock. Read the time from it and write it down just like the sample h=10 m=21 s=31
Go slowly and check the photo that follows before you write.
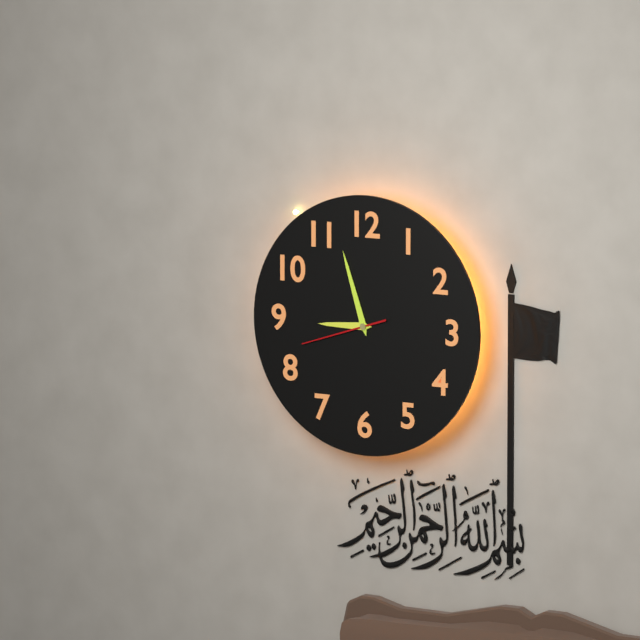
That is h=8 m=57 s=42
